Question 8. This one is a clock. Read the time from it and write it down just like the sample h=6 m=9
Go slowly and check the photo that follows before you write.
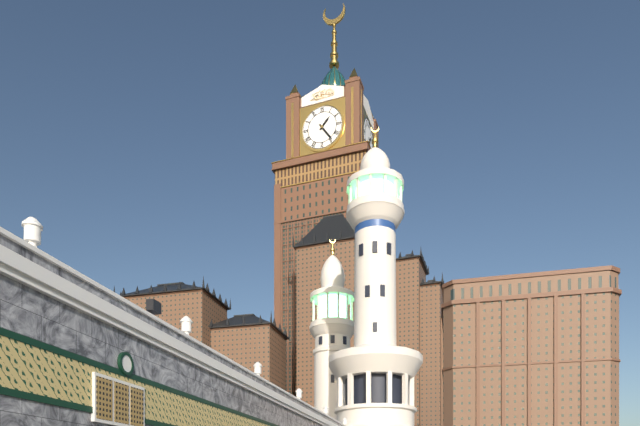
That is h=1 m=24
